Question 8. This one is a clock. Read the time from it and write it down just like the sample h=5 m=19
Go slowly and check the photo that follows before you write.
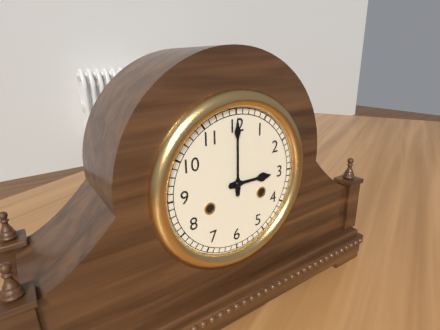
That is h=3 m=0
